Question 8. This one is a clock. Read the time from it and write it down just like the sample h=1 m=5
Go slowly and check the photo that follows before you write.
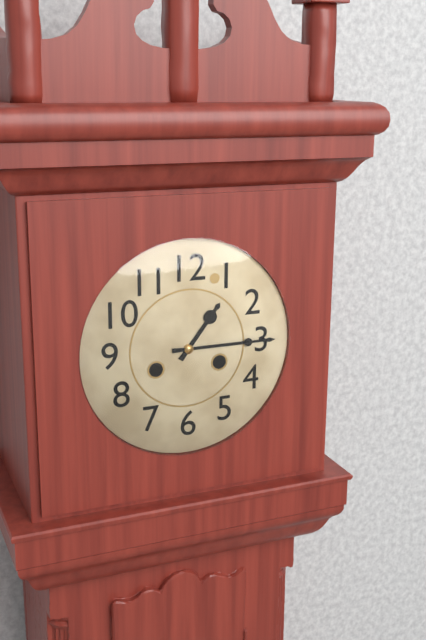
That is h=1 m=15
